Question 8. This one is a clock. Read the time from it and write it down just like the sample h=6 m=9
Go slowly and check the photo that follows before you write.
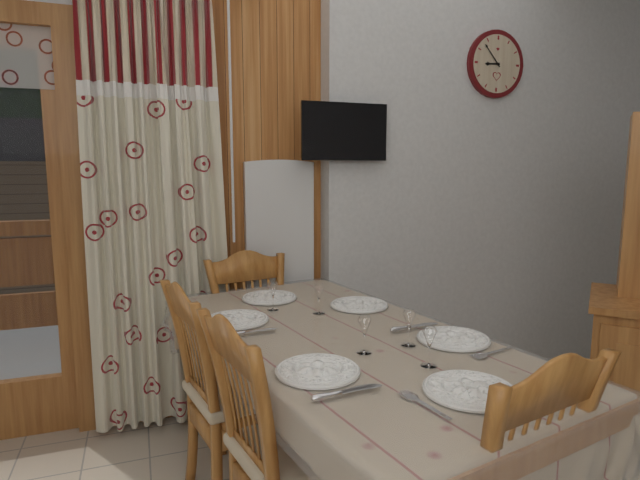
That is h=8 m=53
